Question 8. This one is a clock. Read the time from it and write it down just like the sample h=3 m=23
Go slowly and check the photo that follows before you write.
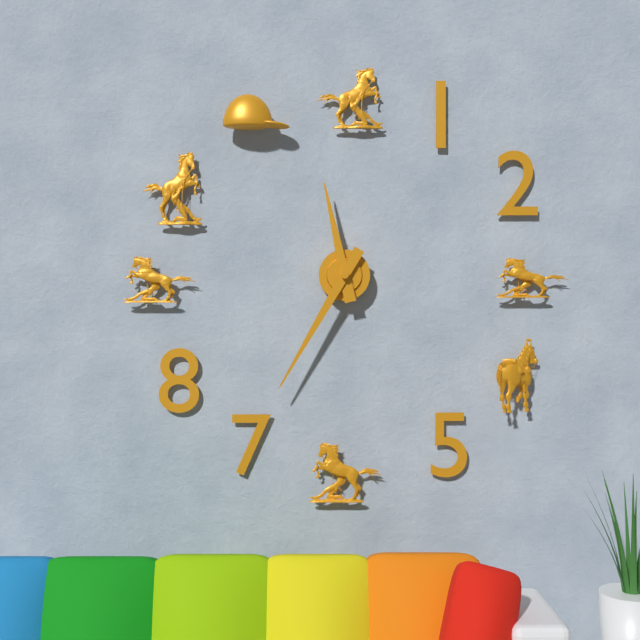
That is h=11 m=35
